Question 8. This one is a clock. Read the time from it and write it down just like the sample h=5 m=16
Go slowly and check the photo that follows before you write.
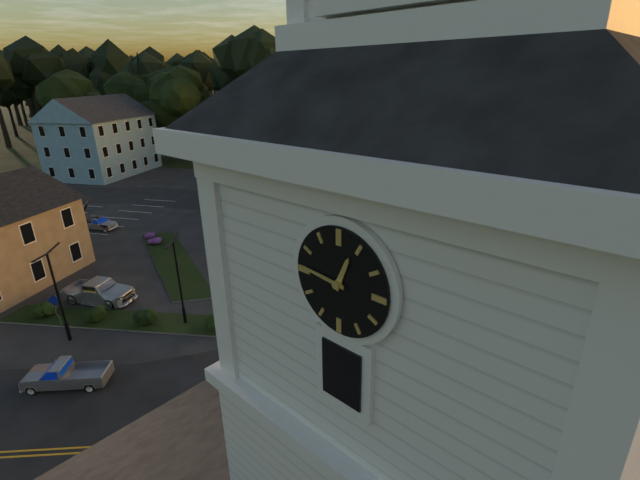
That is h=12 m=46
